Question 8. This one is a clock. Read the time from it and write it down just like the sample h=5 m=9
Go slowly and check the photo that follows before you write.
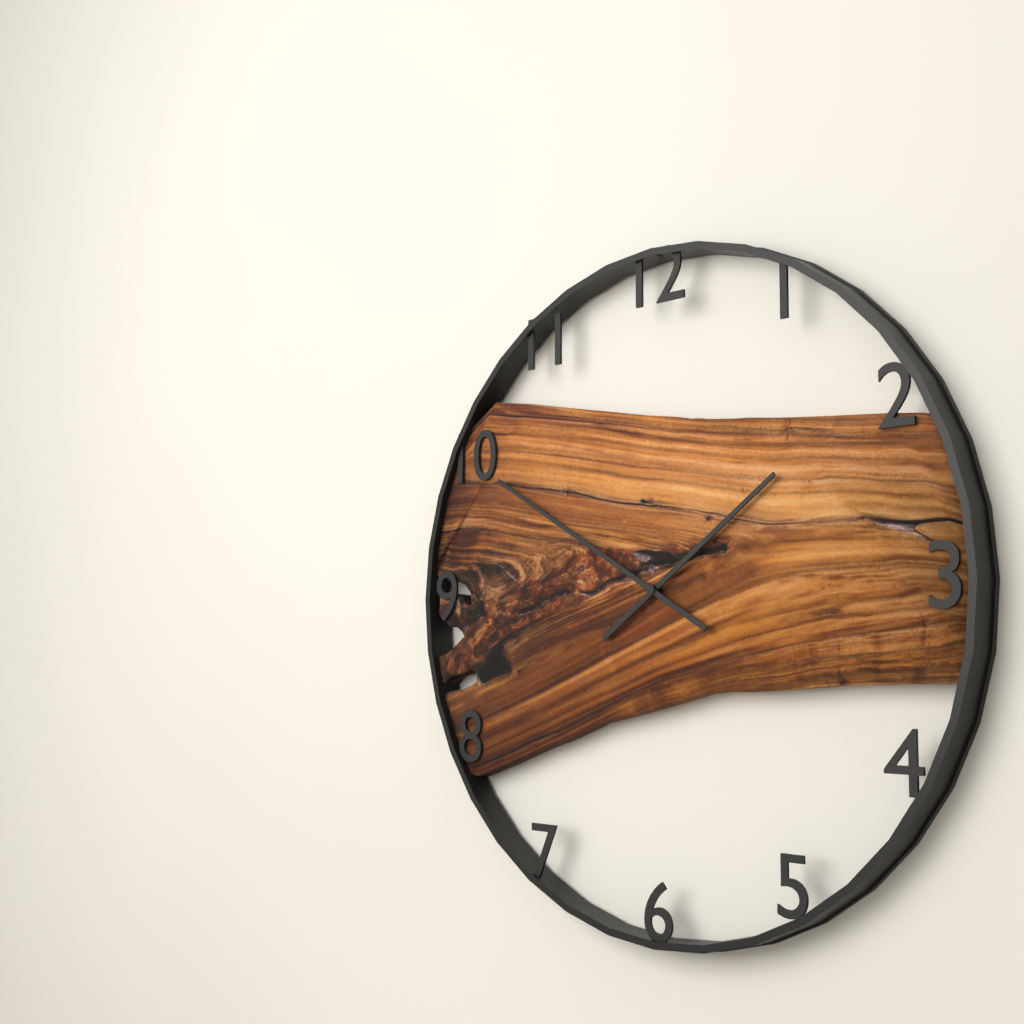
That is h=1 m=50
